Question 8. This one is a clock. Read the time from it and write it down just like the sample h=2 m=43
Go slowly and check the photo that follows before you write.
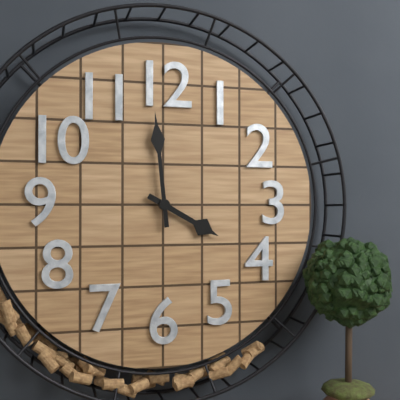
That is h=3 m=59
